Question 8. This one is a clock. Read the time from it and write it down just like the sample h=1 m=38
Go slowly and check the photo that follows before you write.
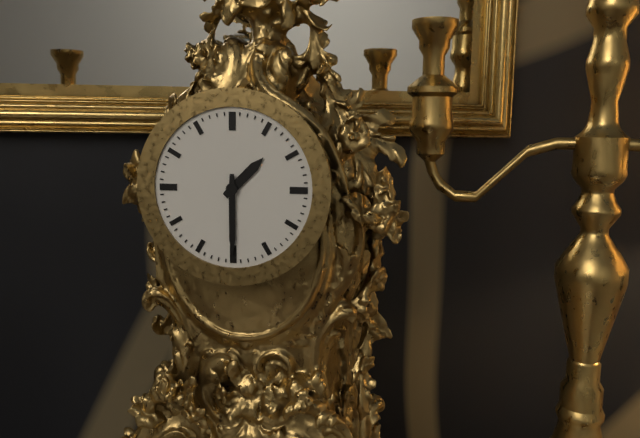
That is h=1 m=30
